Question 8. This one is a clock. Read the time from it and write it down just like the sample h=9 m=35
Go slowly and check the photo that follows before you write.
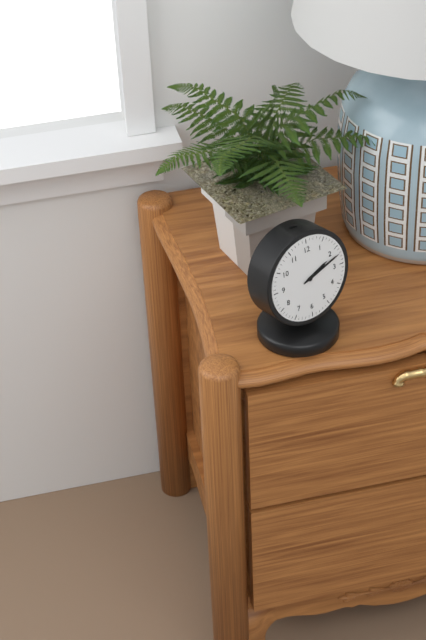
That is h=2 m=12
